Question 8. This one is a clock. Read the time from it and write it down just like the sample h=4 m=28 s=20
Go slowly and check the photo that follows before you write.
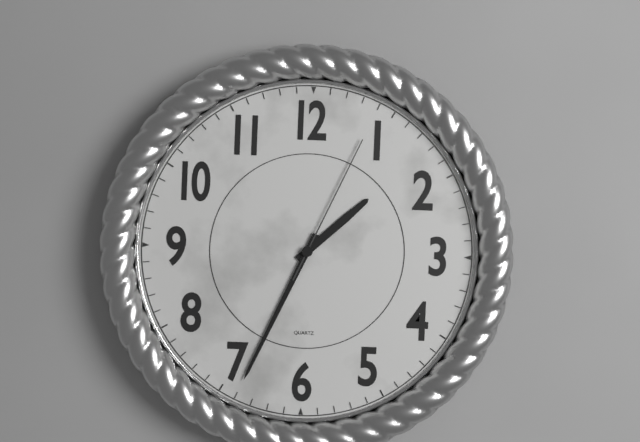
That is h=1 m=34 s=4
